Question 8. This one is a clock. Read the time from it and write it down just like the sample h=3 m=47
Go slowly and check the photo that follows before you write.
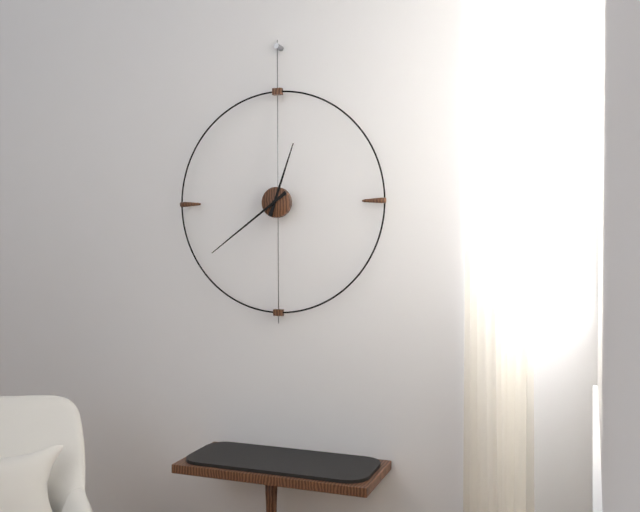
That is h=12 m=39
